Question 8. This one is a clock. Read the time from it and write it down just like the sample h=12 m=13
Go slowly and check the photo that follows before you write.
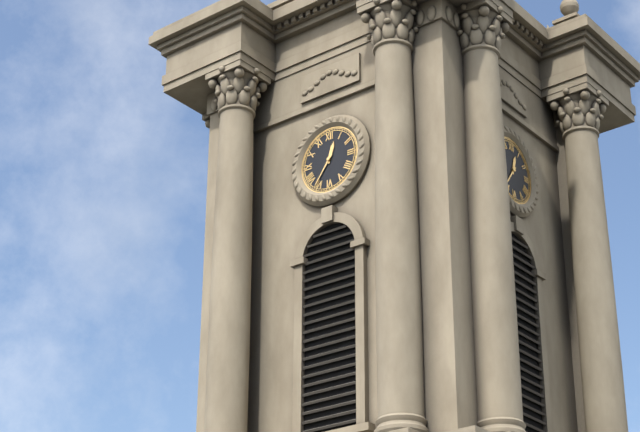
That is h=12 m=36
